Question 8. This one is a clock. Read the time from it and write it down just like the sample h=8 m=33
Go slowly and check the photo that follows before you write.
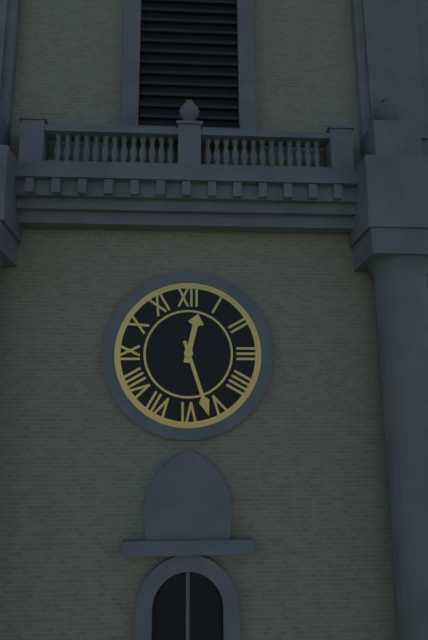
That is h=12 m=27
